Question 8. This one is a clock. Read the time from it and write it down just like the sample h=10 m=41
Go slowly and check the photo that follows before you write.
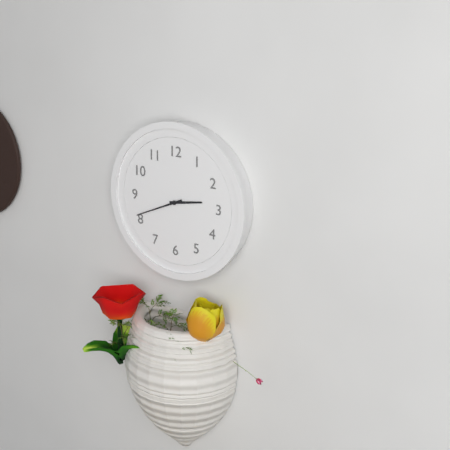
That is h=2 m=41
